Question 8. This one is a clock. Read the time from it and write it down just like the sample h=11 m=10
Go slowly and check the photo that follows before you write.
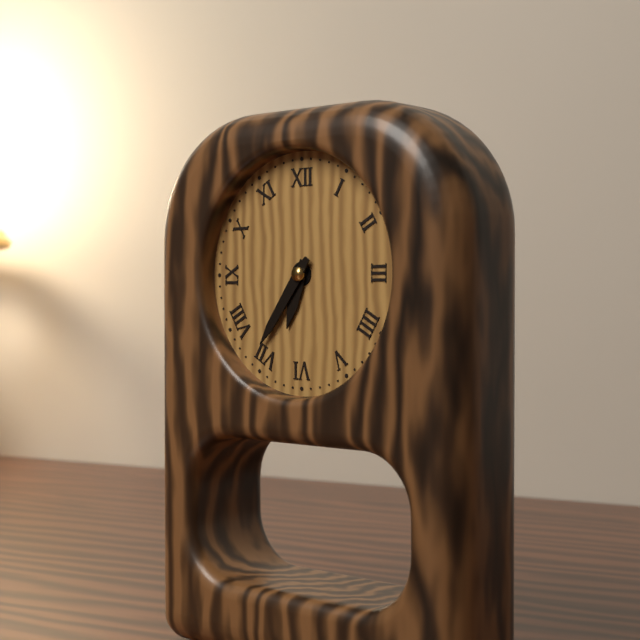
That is h=6 m=36
